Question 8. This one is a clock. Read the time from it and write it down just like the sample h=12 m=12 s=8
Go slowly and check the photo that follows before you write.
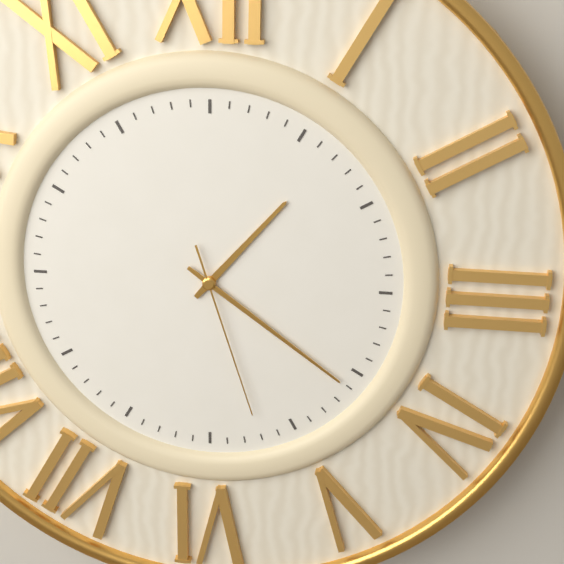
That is h=1 m=21 s=27
